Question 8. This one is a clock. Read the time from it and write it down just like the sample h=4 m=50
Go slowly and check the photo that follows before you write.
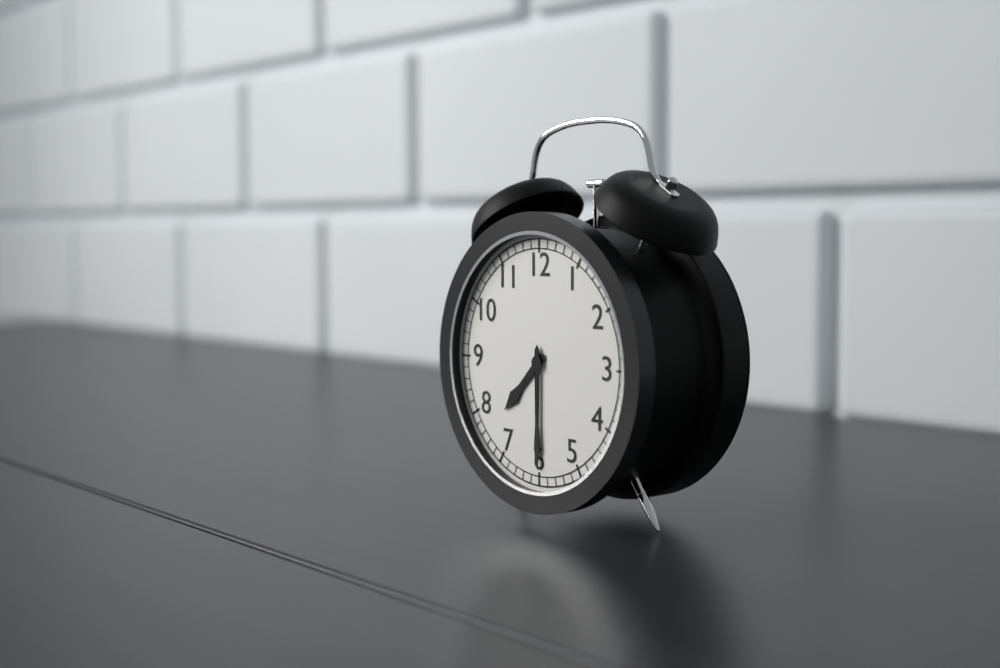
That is h=7 m=30
